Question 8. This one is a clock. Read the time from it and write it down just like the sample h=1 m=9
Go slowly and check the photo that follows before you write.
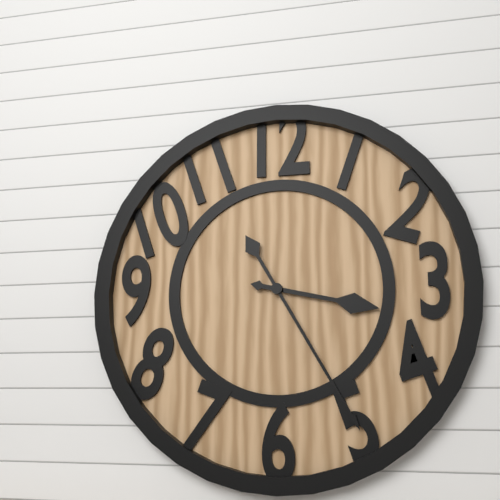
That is h=3 m=25
